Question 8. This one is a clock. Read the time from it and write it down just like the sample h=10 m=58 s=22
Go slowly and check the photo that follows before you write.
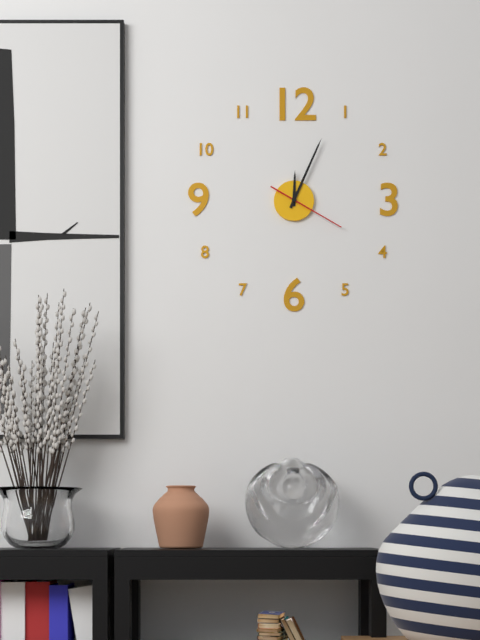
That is h=12 m=4 s=20
